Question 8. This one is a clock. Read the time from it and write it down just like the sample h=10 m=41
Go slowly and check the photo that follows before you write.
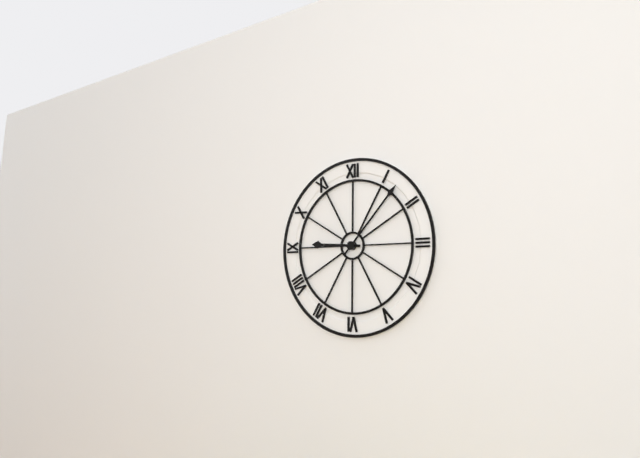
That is h=9 m=7
